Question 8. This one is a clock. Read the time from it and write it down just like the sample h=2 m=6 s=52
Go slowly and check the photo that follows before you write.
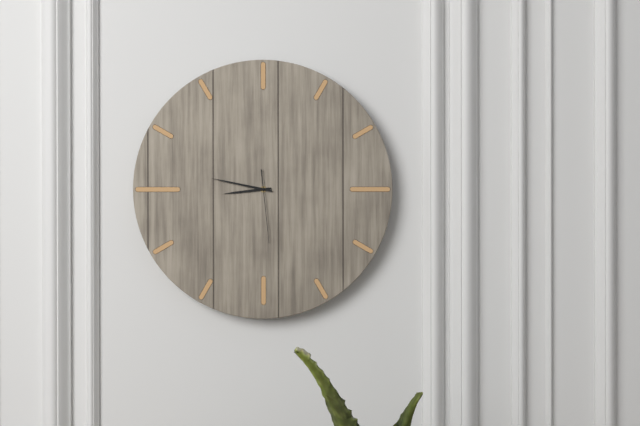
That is h=8 m=47 s=29
